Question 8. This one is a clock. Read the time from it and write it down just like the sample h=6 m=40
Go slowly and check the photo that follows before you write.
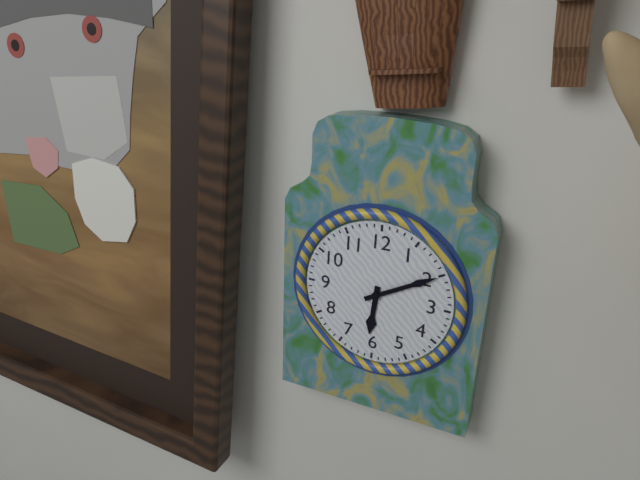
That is h=6 m=10
